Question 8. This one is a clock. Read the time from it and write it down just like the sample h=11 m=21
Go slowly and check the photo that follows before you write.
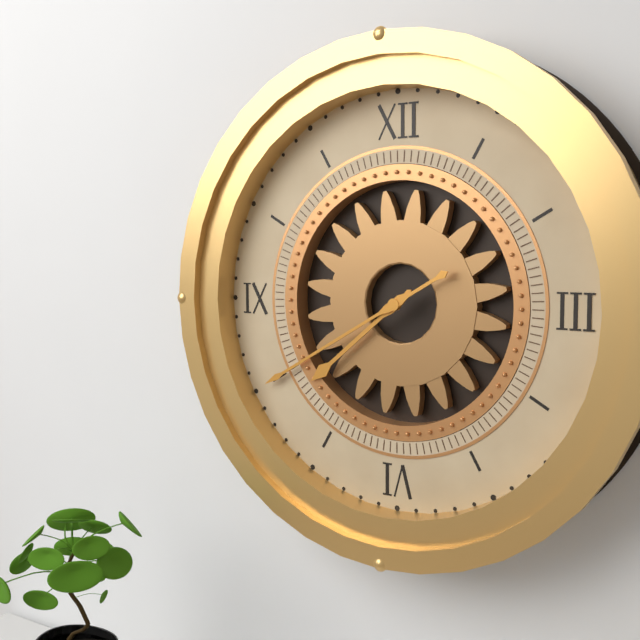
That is h=7 m=40
